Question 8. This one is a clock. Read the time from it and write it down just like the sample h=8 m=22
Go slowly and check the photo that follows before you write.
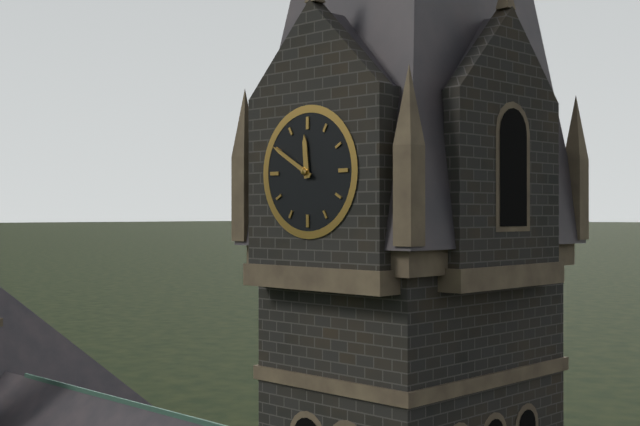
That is h=11 m=50
